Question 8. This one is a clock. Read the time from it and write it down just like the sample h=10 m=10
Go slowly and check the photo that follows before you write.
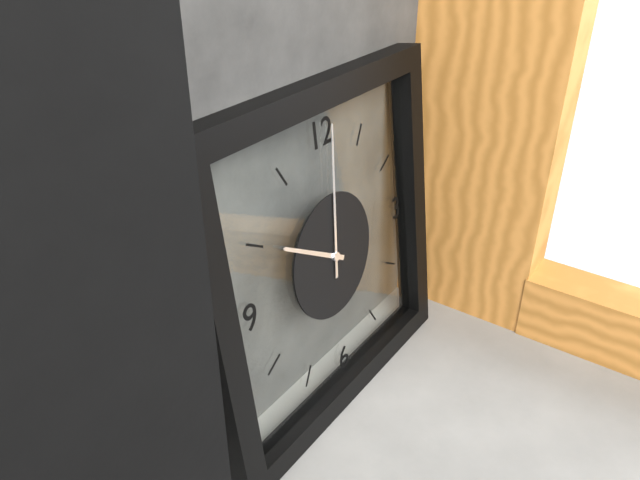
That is h=10 m=1
